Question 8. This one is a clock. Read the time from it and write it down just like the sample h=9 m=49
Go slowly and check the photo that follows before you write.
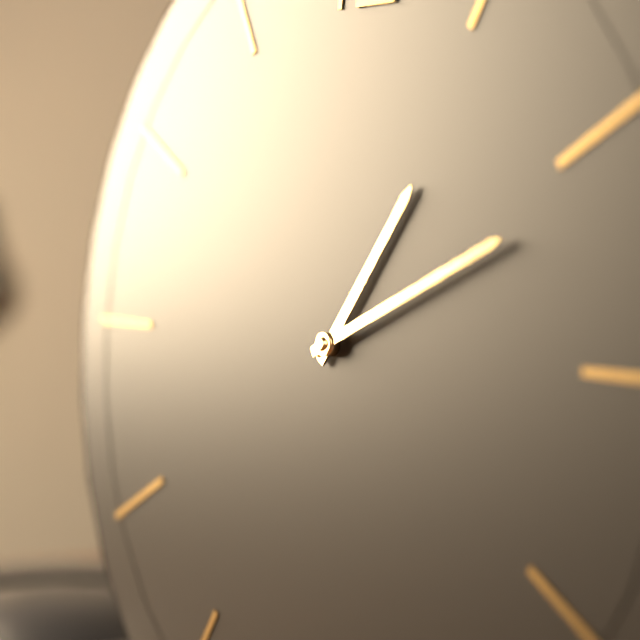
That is h=1 m=11
